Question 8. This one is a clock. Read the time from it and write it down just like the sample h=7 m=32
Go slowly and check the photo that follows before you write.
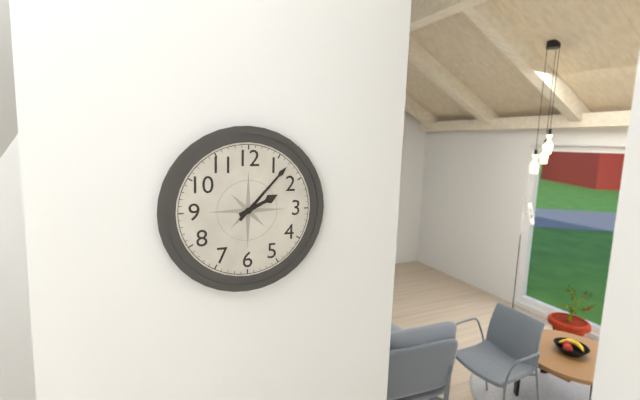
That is h=2 m=7
